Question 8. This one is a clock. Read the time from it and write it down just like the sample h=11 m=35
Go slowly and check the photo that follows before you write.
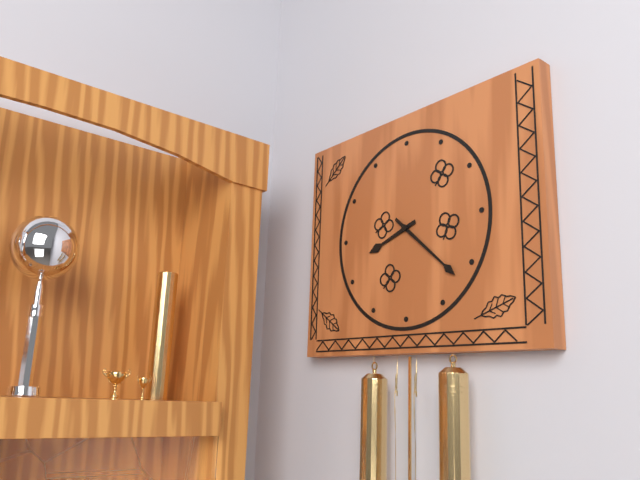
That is h=8 m=22
